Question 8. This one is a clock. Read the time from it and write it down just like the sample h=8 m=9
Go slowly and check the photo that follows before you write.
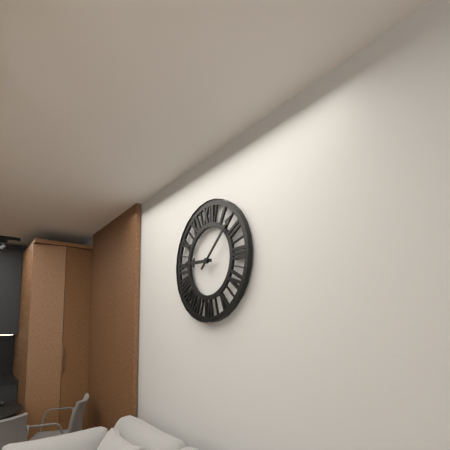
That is h=9 m=8
